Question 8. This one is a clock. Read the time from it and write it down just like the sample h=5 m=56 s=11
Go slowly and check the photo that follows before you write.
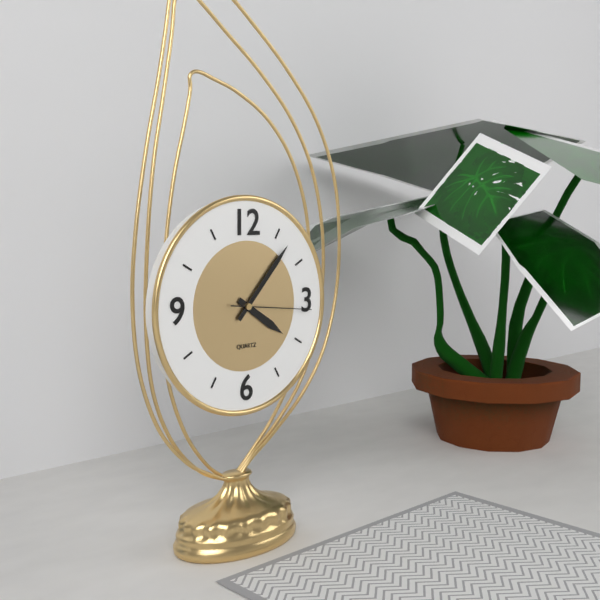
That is h=4 m=7 s=16
